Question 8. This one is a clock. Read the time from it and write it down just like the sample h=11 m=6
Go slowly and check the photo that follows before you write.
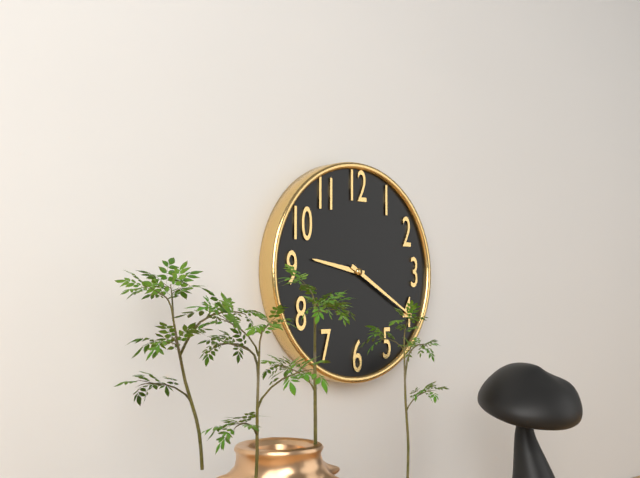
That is h=9 m=20
